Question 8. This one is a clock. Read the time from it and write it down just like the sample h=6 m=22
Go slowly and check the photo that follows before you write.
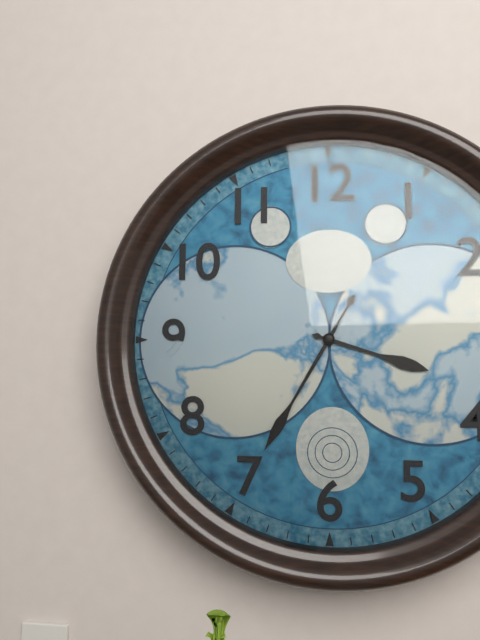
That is h=3 m=35
